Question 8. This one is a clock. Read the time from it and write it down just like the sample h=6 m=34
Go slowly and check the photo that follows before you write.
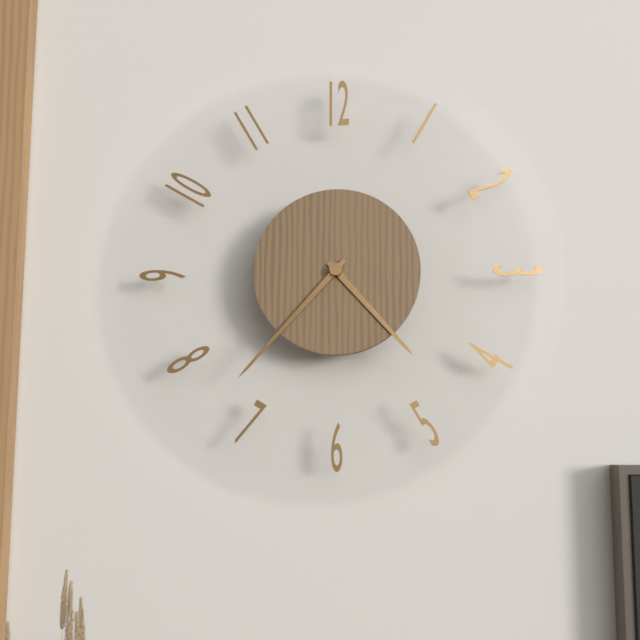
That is h=4 m=37
